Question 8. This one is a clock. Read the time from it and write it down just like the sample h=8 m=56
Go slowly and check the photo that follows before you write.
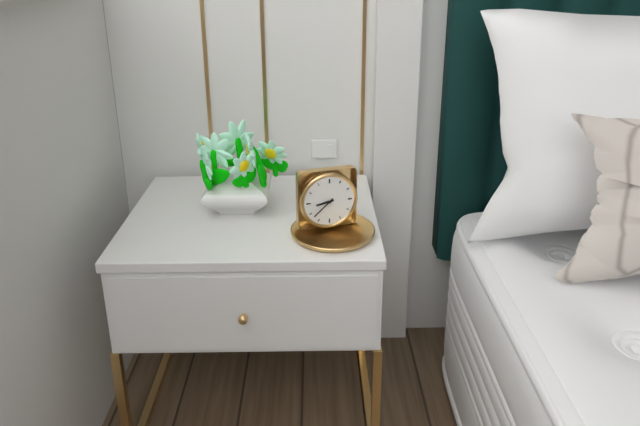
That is h=8 m=38
